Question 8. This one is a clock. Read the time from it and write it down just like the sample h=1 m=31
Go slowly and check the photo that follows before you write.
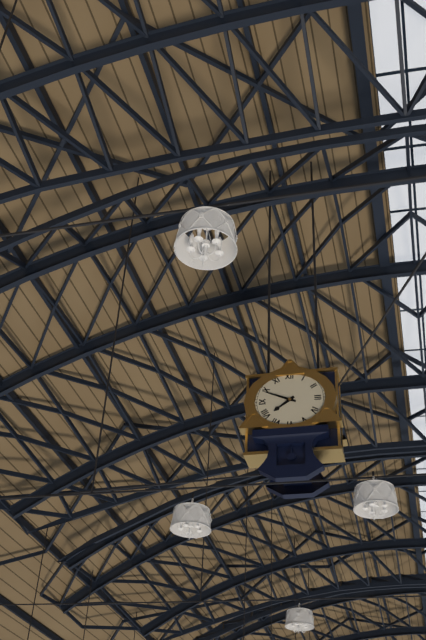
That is h=7 m=49
